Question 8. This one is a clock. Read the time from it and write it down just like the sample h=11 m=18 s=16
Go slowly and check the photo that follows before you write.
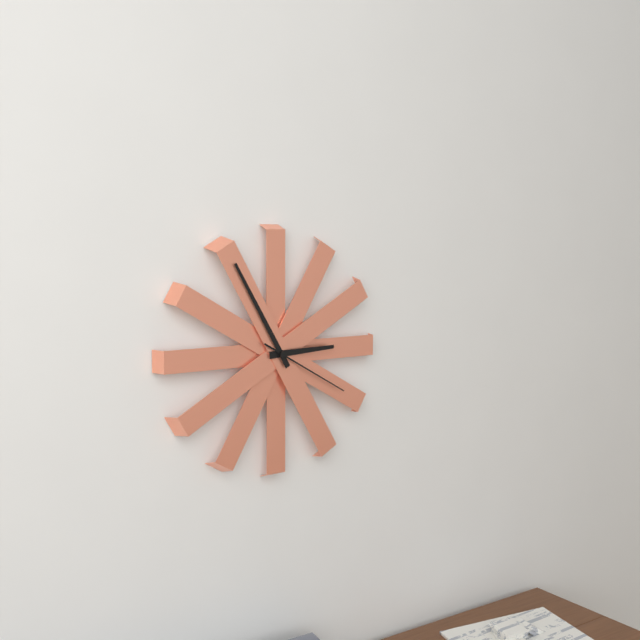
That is h=2 m=55 s=20
